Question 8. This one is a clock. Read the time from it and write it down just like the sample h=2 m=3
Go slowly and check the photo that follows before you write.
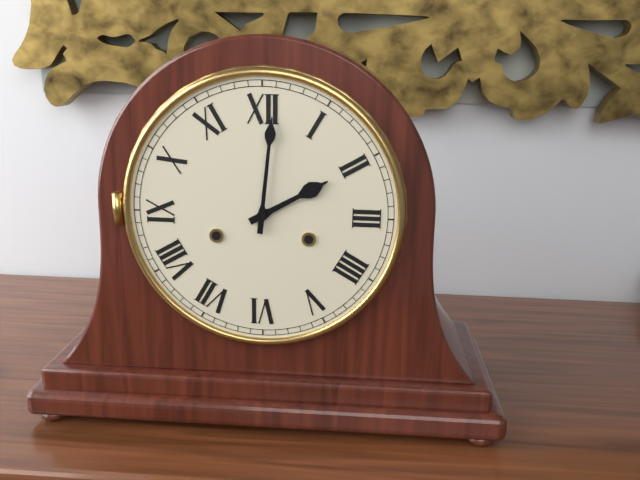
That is h=2 m=1
